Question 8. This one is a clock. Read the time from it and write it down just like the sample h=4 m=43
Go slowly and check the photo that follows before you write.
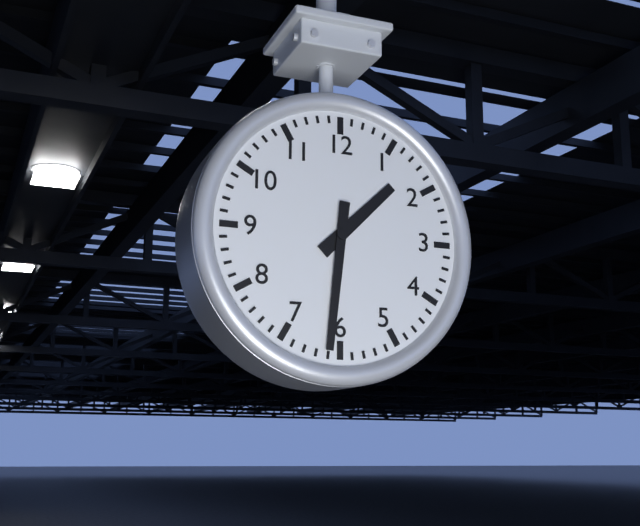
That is h=1 m=31
